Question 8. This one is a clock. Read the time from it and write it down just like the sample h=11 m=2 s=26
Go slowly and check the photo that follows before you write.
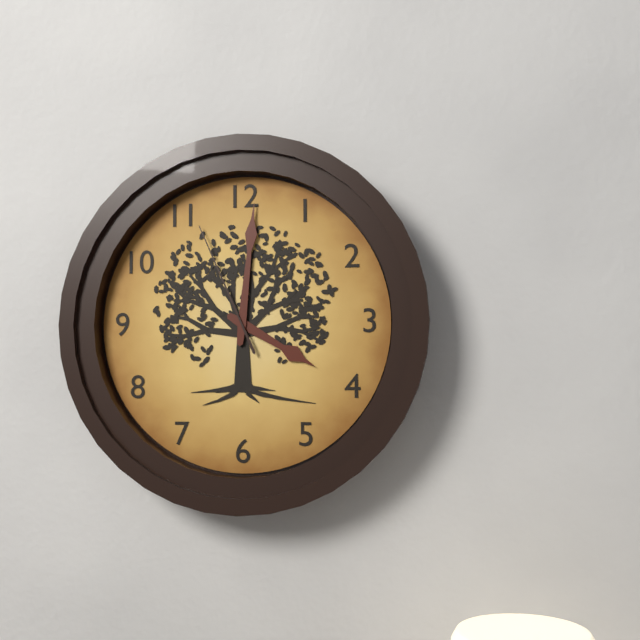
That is h=4 m=1 s=56
